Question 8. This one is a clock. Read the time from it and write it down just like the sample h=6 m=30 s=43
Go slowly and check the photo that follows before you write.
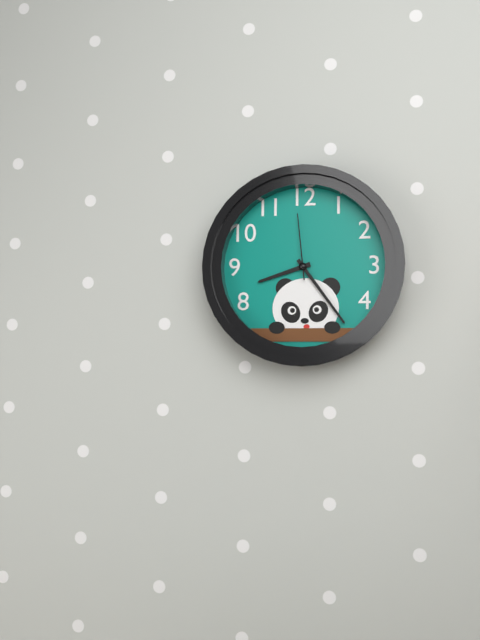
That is h=8 m=24 s=59
